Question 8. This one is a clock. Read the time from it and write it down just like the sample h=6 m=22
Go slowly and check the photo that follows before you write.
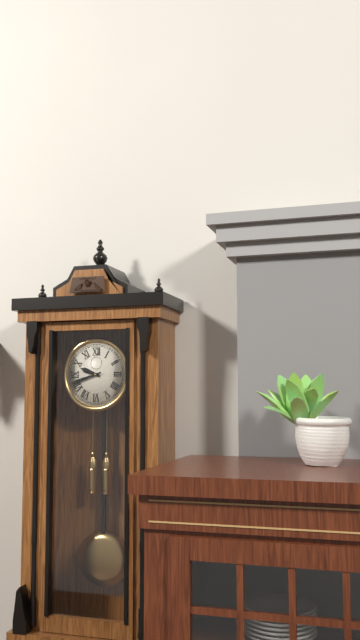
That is h=9 m=42
